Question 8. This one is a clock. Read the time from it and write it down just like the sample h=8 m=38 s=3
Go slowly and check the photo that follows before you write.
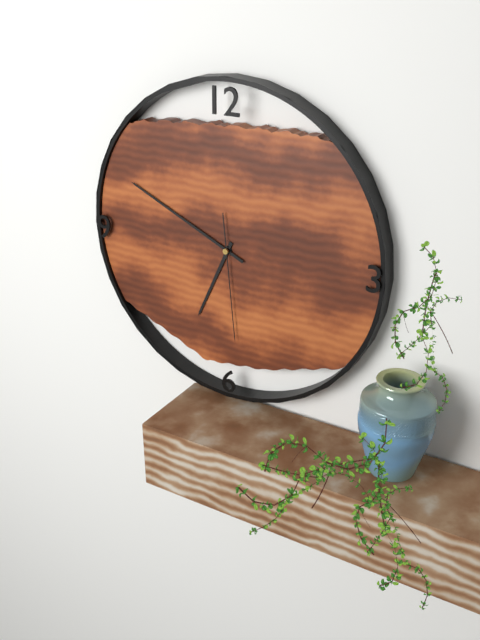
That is h=6 m=49 s=29
